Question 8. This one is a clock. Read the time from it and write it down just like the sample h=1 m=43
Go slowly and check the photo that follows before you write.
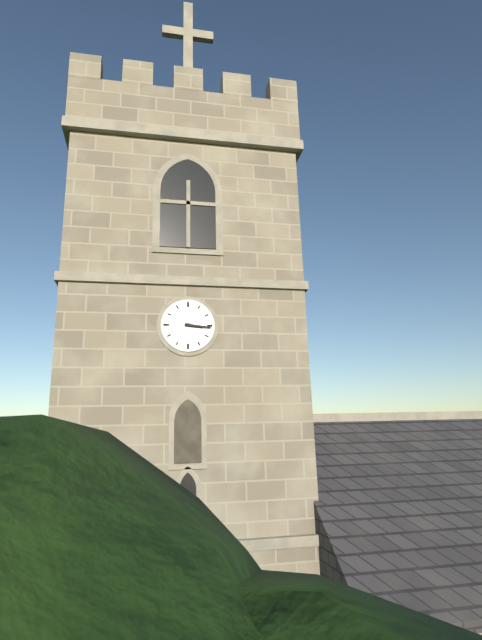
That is h=3 m=16
